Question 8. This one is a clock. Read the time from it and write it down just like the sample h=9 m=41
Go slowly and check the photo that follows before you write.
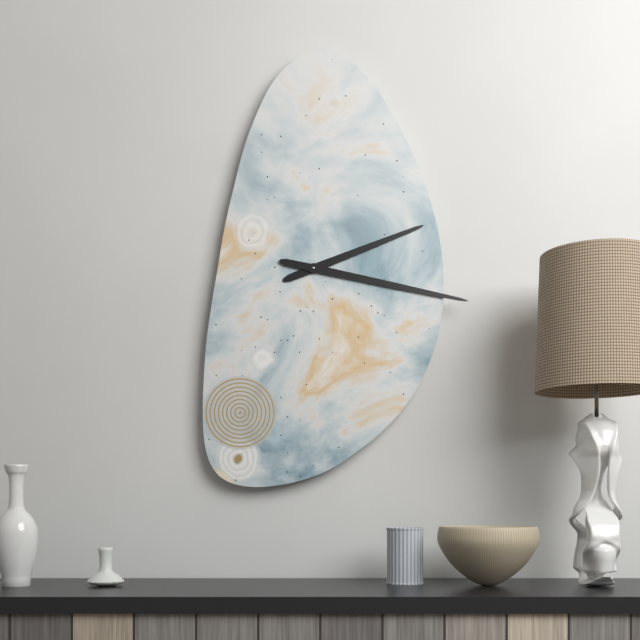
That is h=2 m=17
